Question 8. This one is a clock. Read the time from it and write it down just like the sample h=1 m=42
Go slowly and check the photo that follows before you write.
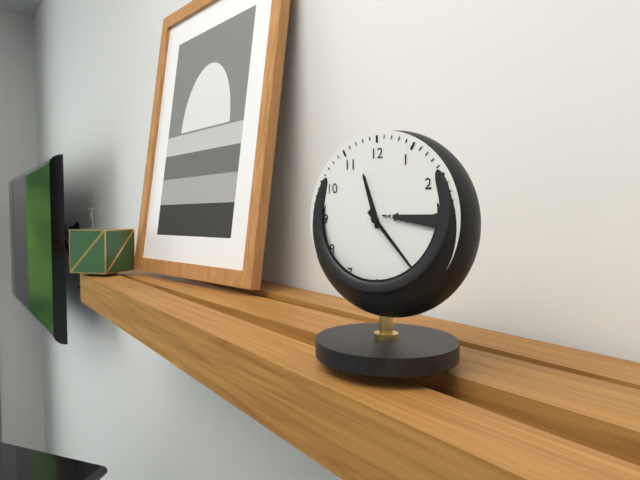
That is h=11 m=23
